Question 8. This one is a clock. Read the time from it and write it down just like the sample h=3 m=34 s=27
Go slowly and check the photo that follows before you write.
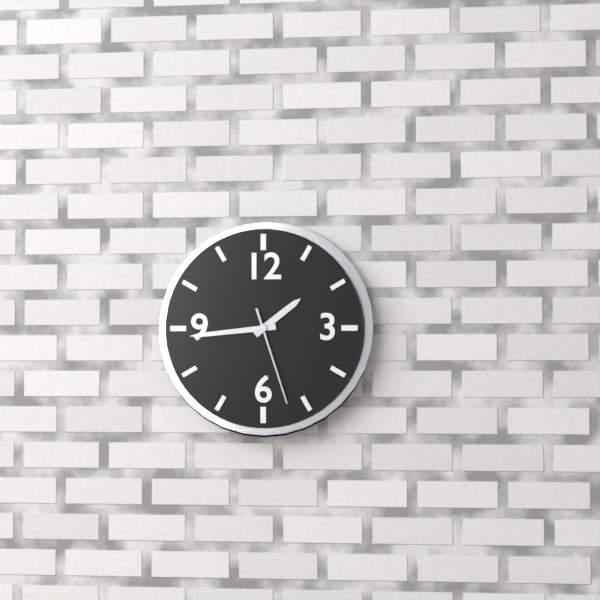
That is h=1 m=44 s=27
